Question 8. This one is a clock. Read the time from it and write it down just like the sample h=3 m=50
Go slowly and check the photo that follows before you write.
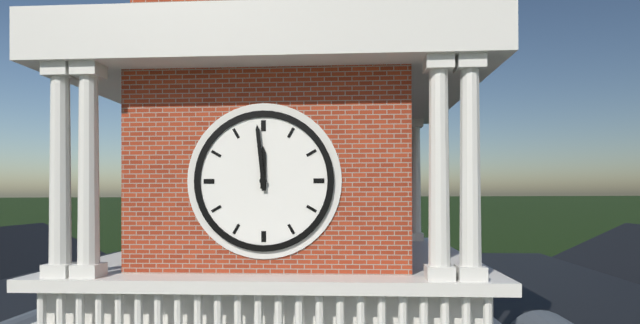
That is h=11 m=59
